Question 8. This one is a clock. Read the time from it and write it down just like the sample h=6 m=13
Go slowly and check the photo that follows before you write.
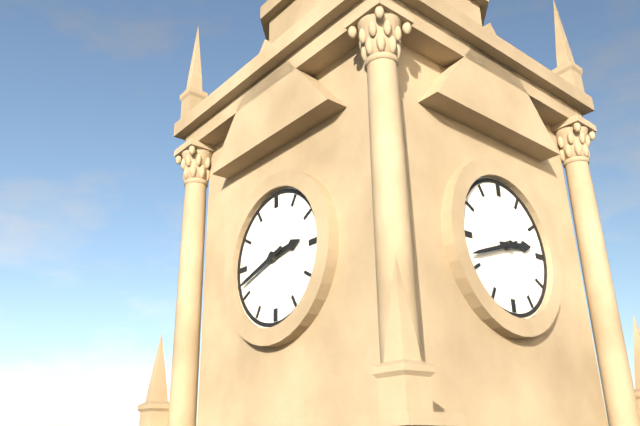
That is h=2 m=42
